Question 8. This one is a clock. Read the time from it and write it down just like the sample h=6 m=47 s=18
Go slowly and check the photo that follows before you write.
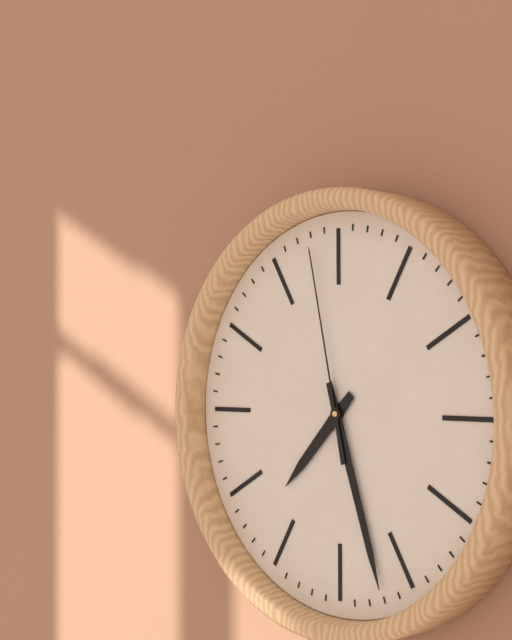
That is h=7 m=27 s=58
